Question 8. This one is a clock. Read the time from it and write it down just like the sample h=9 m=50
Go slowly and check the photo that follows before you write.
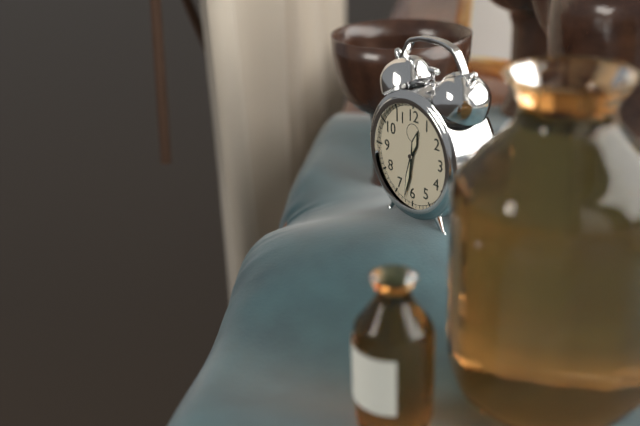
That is h=12 m=32
